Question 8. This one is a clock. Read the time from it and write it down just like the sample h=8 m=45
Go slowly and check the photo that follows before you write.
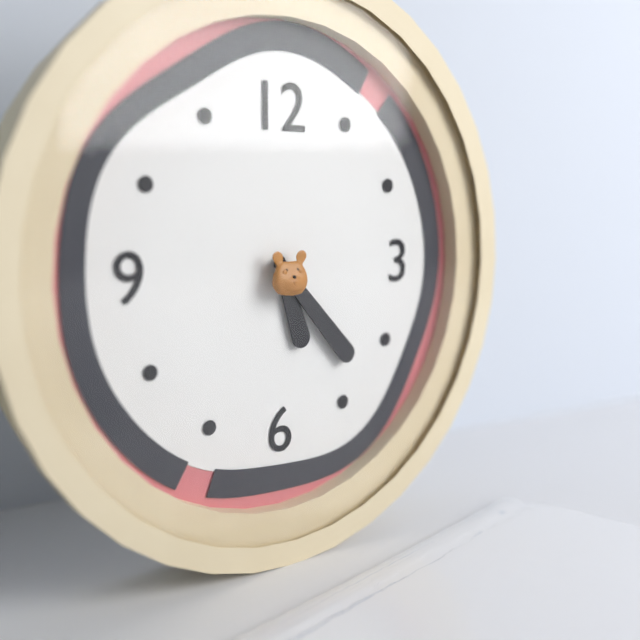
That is h=5 m=23
